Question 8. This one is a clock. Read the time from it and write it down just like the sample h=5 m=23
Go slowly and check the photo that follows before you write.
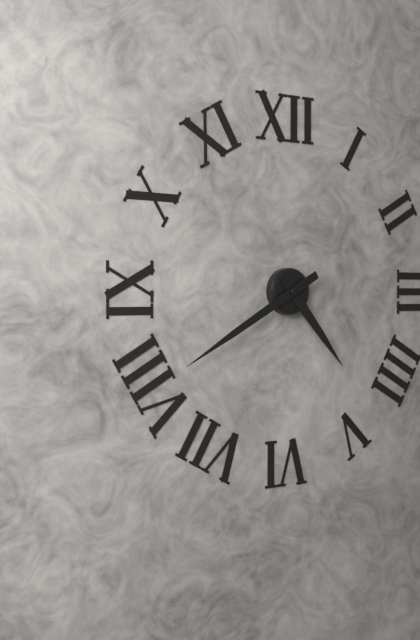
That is h=4 m=40
